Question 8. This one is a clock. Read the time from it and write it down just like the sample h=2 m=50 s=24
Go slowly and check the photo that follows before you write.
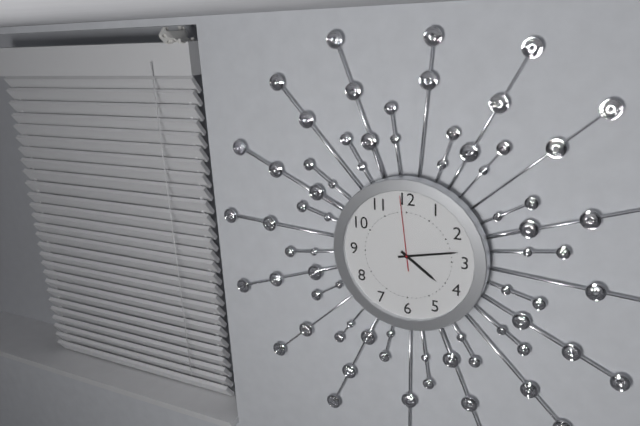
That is h=4 m=13 s=59
